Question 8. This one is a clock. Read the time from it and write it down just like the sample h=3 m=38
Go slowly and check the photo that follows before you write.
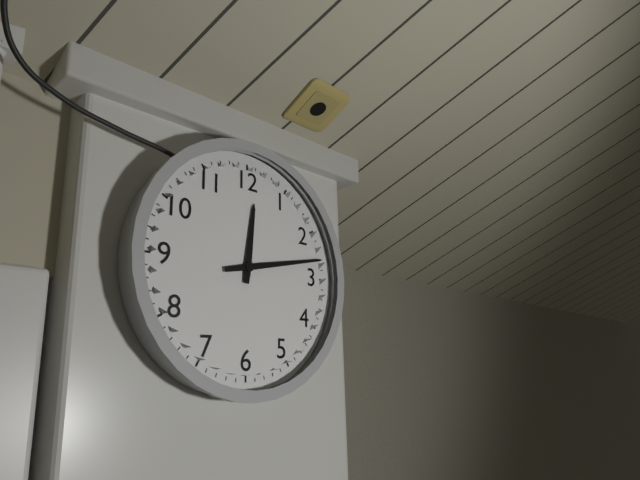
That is h=12 m=13
